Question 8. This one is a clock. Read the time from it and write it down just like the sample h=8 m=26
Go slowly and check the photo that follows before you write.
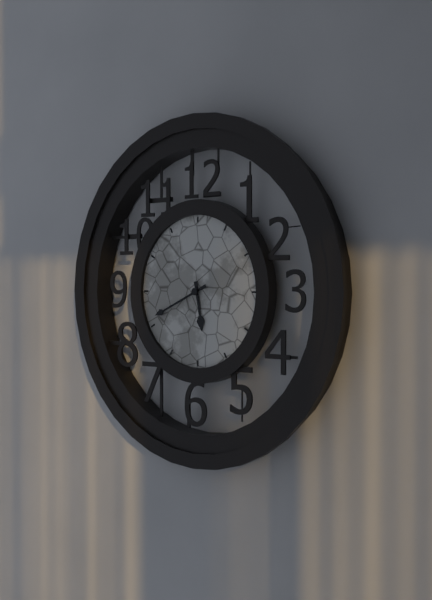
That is h=5 m=41
